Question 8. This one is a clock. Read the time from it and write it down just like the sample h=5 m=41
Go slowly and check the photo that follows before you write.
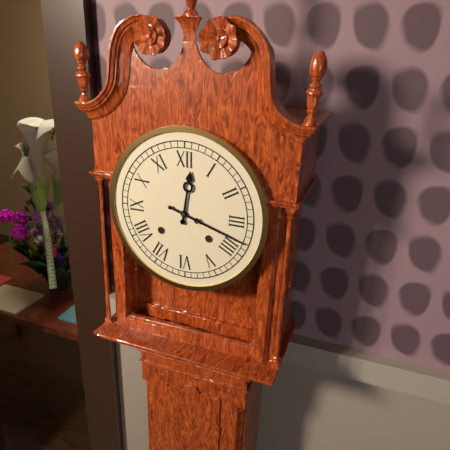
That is h=12 m=18
